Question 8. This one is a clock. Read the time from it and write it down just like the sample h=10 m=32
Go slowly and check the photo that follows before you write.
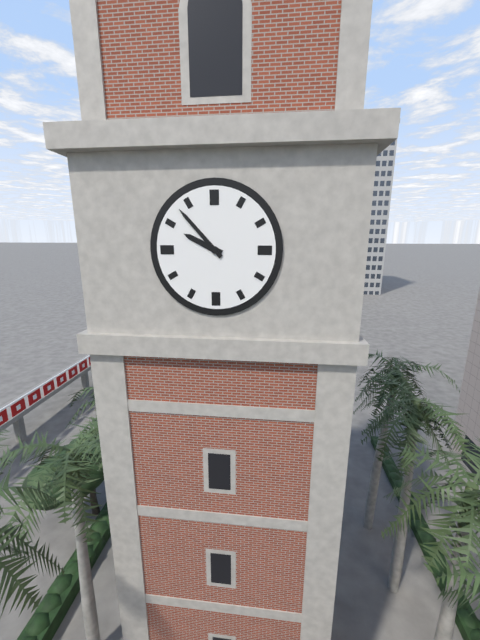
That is h=9 m=53
